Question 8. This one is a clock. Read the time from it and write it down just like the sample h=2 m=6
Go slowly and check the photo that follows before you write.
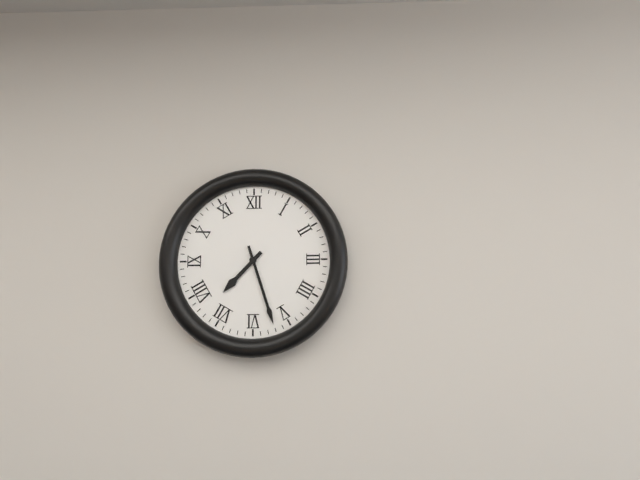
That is h=7 m=27
